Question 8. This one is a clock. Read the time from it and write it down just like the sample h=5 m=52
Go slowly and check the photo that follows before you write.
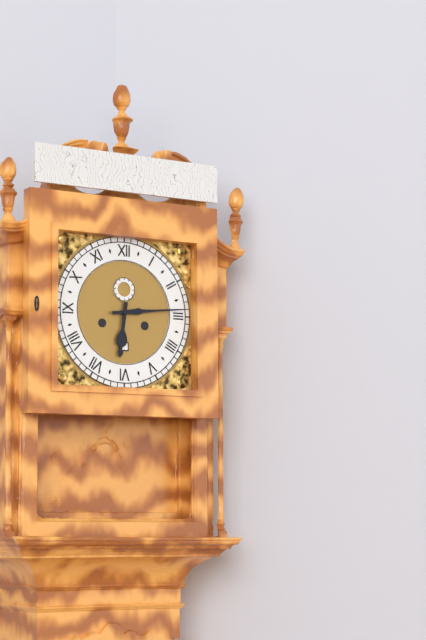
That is h=6 m=14
